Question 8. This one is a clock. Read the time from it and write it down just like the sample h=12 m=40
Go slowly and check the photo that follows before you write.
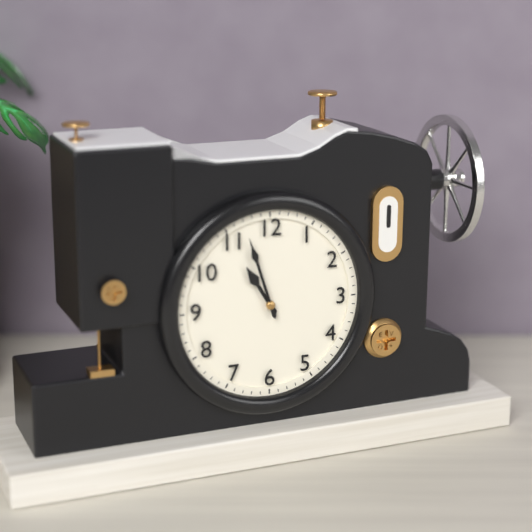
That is h=10 m=57
